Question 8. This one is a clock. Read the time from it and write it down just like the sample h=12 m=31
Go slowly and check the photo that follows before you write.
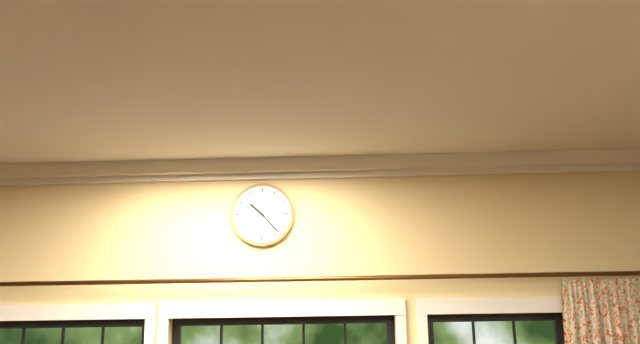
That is h=10 m=23
